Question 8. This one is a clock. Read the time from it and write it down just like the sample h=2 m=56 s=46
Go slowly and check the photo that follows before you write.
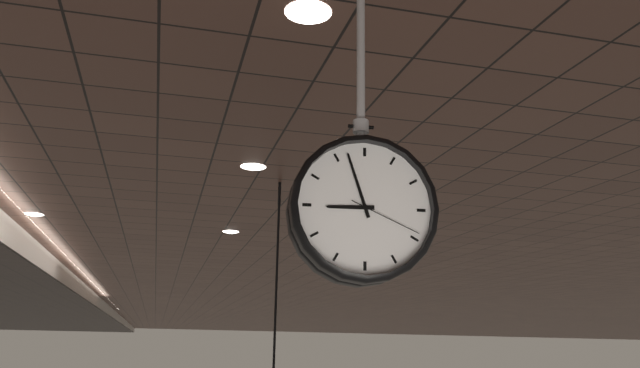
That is h=8 m=57 s=19
